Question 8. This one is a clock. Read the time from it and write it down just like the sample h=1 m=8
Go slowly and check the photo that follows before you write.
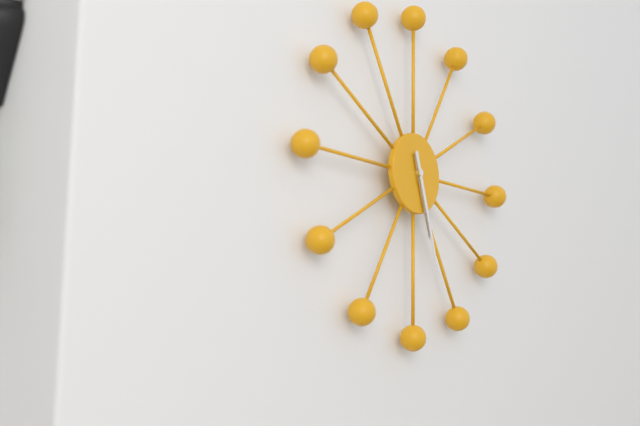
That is h=5 m=27
